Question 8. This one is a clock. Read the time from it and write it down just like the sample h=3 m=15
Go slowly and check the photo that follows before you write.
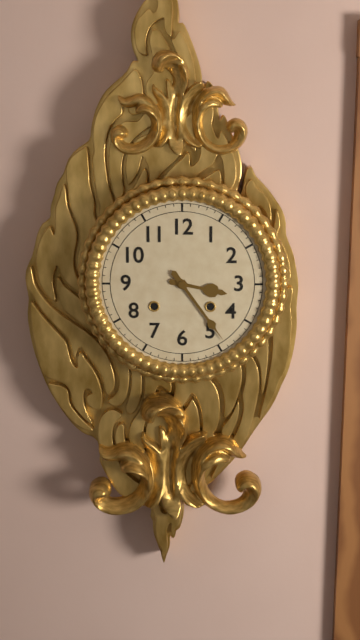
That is h=3 m=24
